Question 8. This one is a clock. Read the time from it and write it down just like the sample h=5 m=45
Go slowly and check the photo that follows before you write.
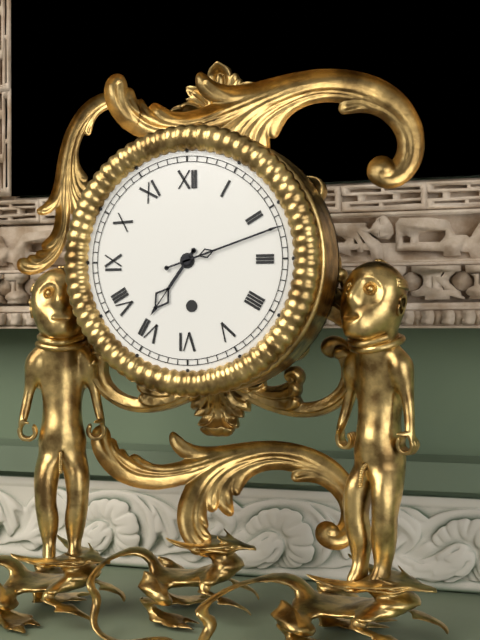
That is h=7 m=12
